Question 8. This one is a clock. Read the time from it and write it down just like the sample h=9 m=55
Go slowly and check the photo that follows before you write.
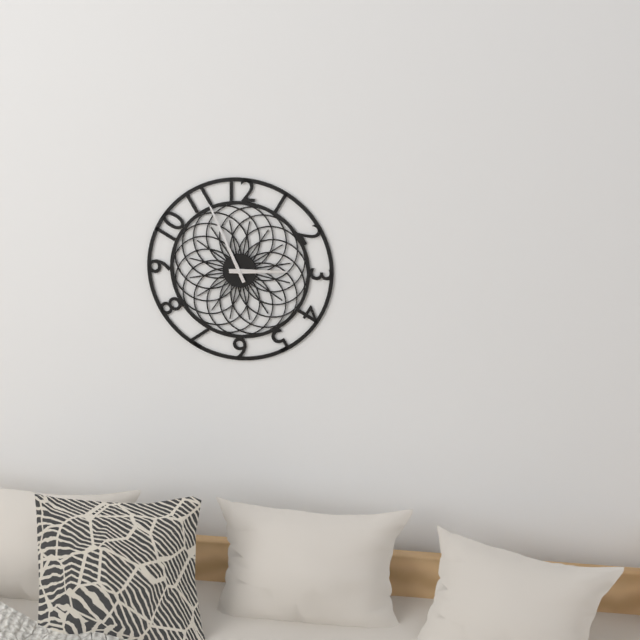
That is h=2 m=56
